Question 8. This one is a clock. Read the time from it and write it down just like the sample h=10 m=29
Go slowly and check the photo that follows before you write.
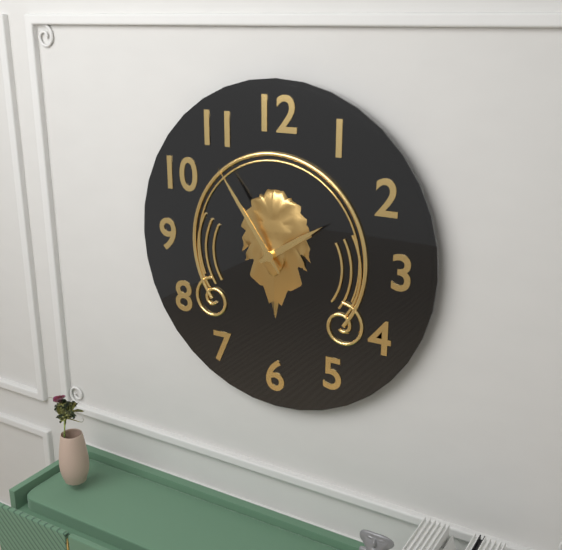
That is h=1 m=54
